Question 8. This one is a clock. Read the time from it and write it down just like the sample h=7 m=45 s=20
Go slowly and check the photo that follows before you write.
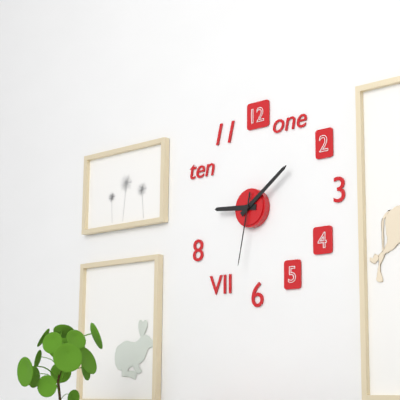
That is h=9 m=9 s=32
